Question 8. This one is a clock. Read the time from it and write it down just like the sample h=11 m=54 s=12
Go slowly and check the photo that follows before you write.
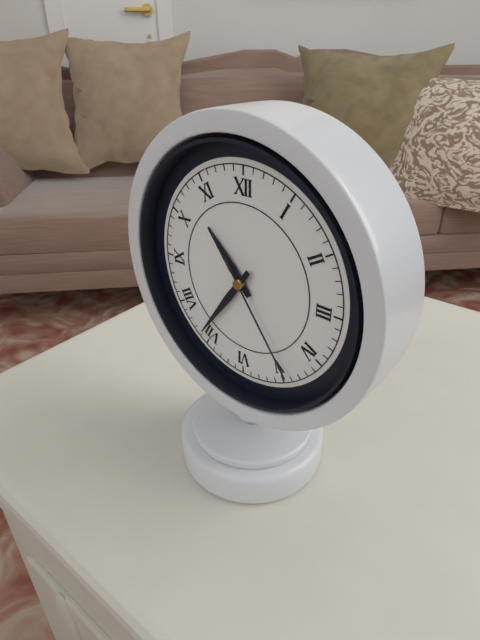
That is h=10 m=36 s=24
